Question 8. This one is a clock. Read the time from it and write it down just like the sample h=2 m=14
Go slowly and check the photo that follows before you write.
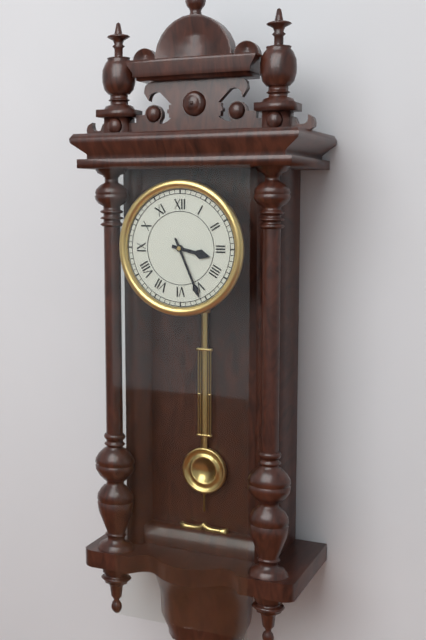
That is h=3 m=26
